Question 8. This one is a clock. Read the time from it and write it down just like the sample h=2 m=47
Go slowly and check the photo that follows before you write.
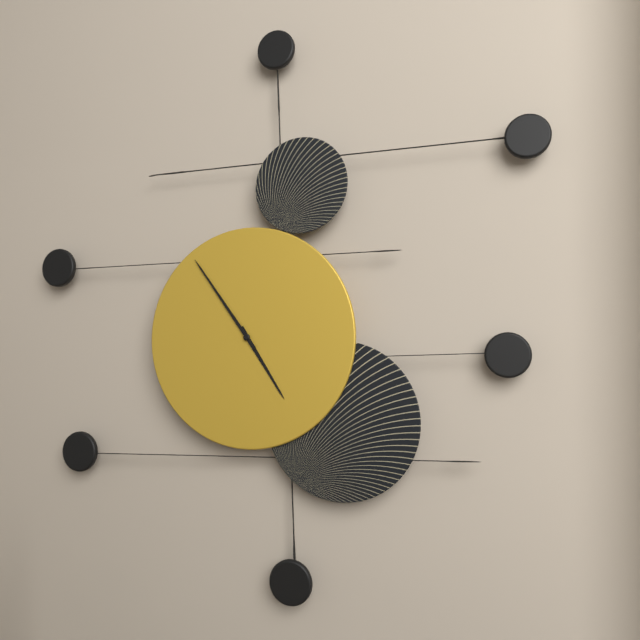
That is h=4 m=54
